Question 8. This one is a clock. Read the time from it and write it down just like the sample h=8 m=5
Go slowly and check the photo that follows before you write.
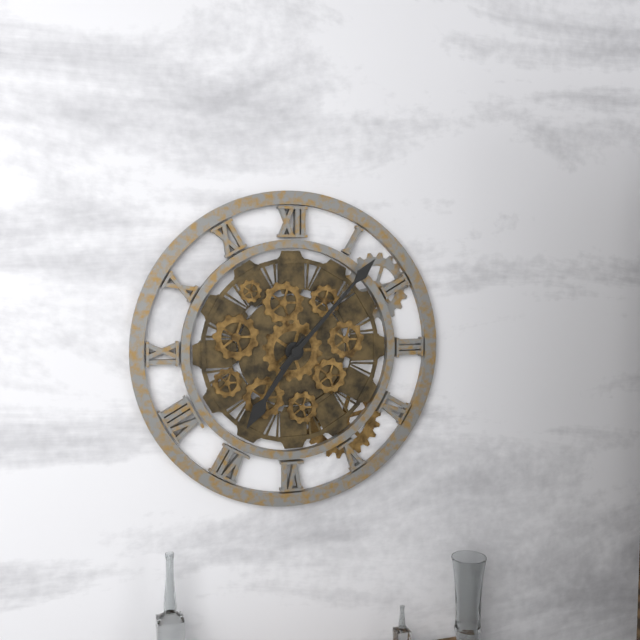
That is h=7 m=7
